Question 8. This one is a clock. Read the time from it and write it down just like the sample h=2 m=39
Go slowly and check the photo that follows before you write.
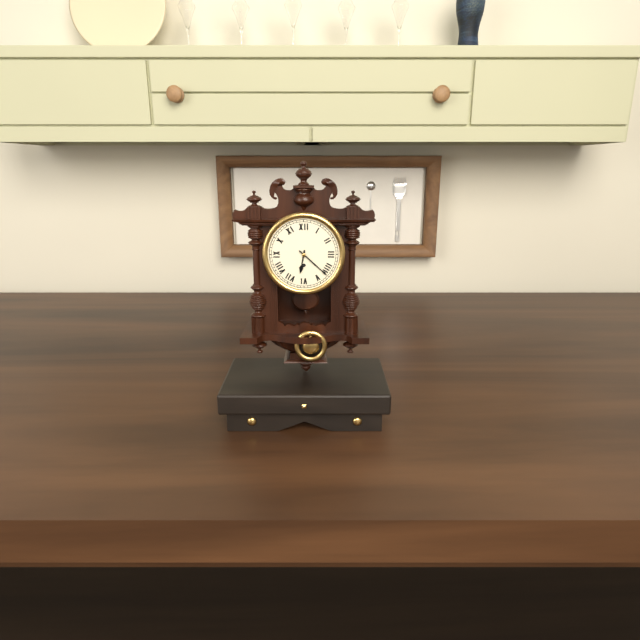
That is h=6 m=22
